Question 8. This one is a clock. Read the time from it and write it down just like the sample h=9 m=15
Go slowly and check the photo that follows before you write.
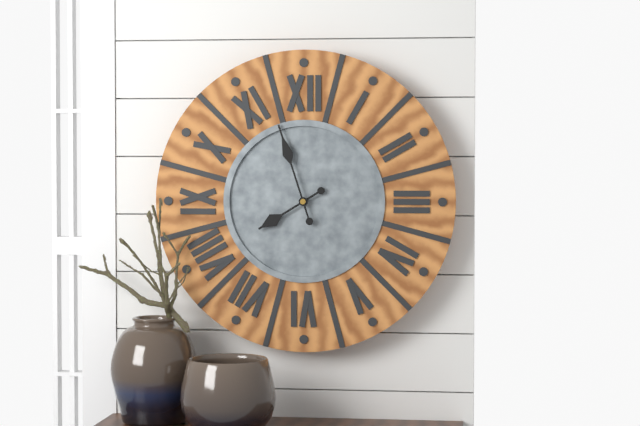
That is h=7 m=57
